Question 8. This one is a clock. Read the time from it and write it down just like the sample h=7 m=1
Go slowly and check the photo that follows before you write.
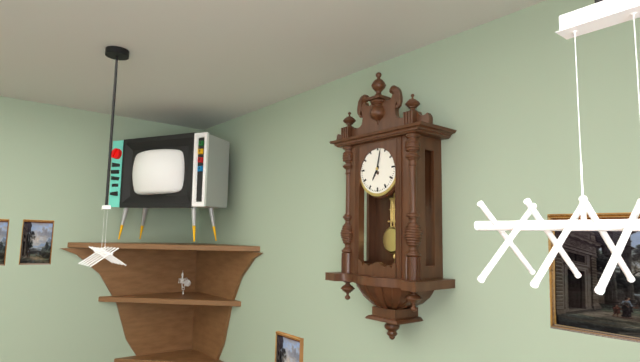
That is h=7 m=2
